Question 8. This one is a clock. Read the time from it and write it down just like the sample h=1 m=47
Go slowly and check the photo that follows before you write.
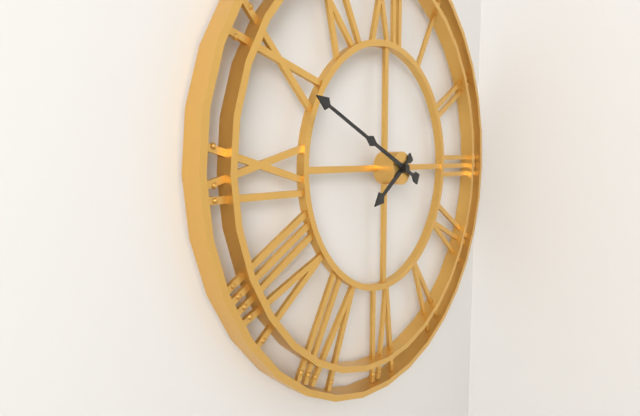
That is h=7 m=49
